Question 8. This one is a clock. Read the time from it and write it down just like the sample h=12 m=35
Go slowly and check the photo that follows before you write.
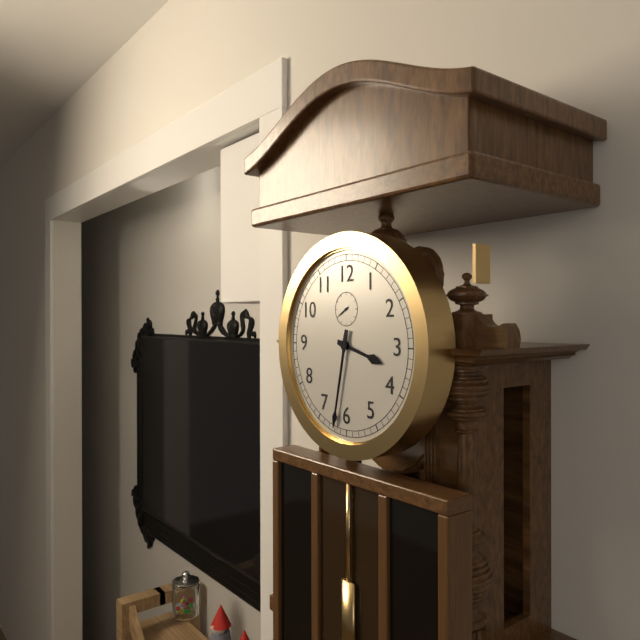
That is h=3 m=32
